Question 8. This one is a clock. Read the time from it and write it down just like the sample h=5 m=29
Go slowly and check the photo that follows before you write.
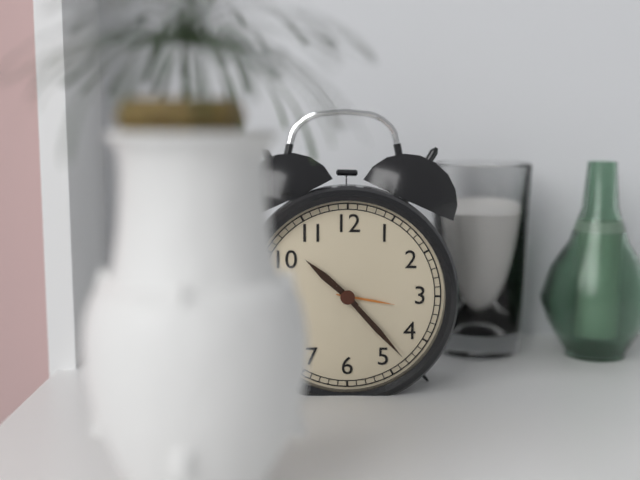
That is h=10 m=23
